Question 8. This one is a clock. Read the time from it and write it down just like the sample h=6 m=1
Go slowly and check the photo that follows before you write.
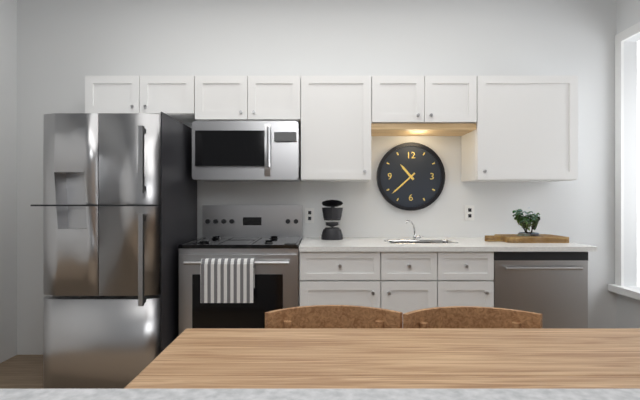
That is h=10 m=38
